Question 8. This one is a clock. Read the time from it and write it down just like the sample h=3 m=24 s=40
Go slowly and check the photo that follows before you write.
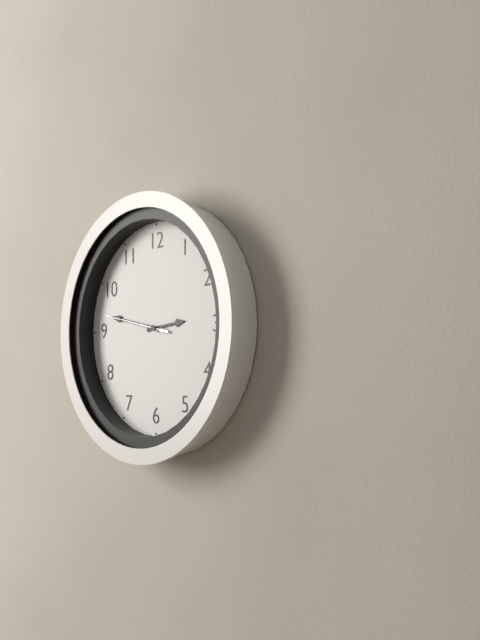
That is h=2 m=47 s=47
